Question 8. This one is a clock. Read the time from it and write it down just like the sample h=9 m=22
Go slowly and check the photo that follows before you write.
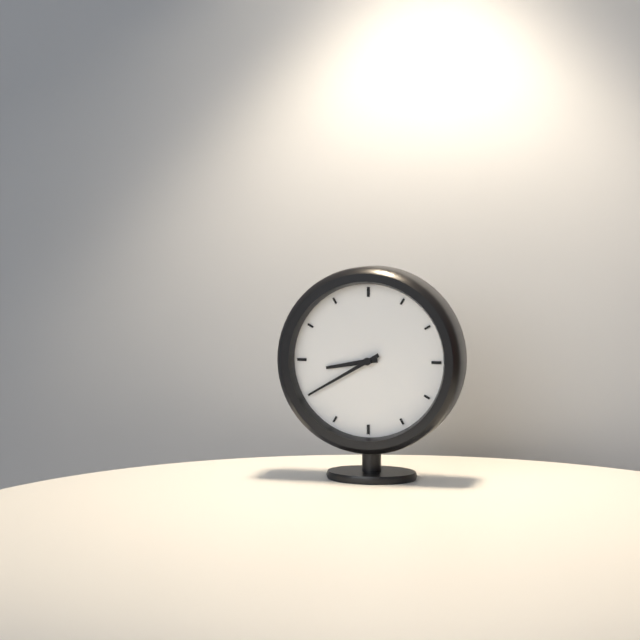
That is h=8 m=40
